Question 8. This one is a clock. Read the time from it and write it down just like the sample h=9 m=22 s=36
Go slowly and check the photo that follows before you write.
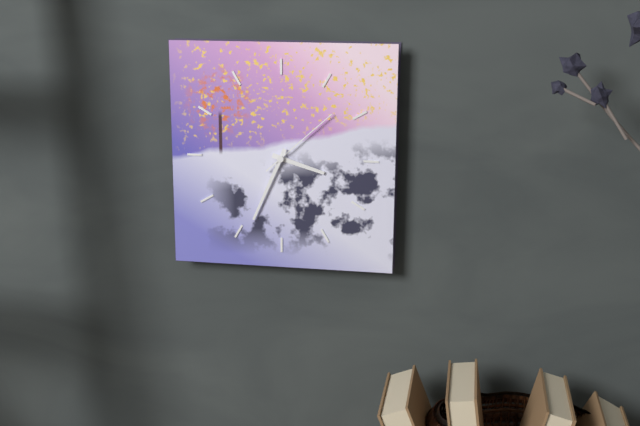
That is h=3 m=34 s=8
